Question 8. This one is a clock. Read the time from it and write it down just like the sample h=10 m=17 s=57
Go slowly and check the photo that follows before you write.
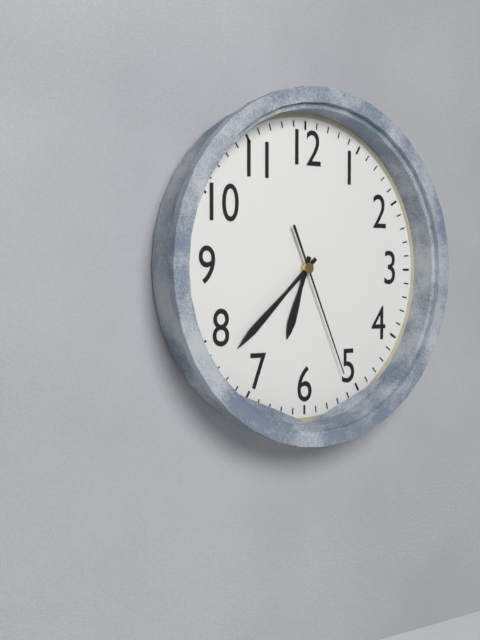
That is h=6 m=38 s=26
